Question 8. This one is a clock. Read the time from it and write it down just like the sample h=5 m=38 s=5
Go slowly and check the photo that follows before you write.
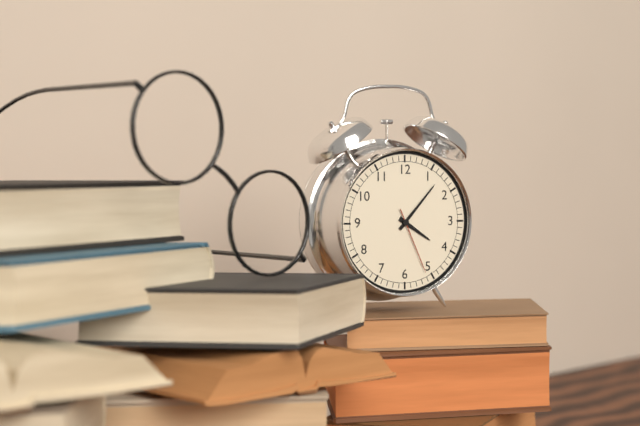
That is h=4 m=7 s=26
